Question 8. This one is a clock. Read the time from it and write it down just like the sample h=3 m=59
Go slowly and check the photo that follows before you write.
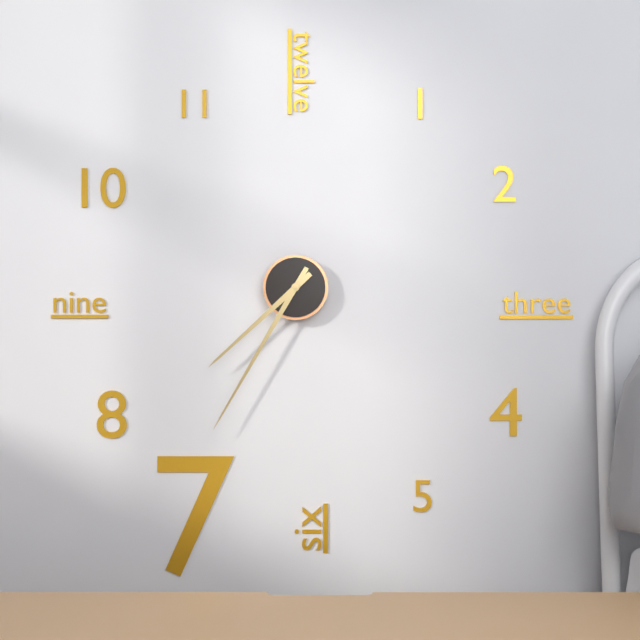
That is h=7 m=35
